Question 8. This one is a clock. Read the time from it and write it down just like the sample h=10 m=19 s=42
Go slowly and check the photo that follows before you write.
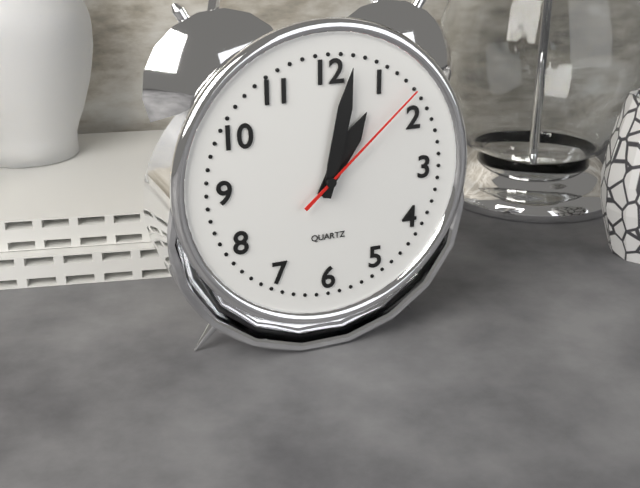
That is h=1 m=2 s=8
